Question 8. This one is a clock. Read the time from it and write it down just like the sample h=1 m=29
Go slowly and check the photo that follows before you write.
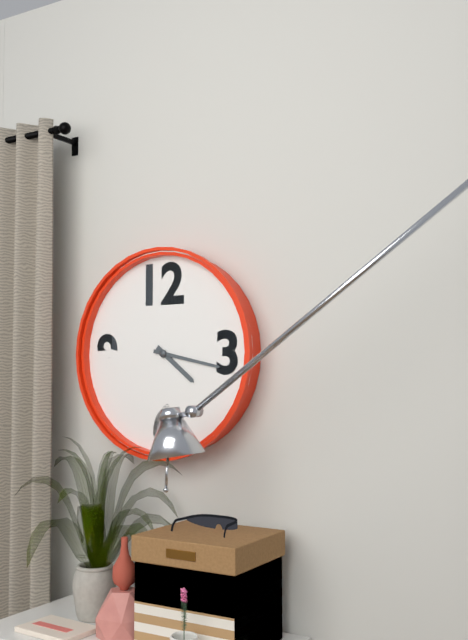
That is h=4 m=17
